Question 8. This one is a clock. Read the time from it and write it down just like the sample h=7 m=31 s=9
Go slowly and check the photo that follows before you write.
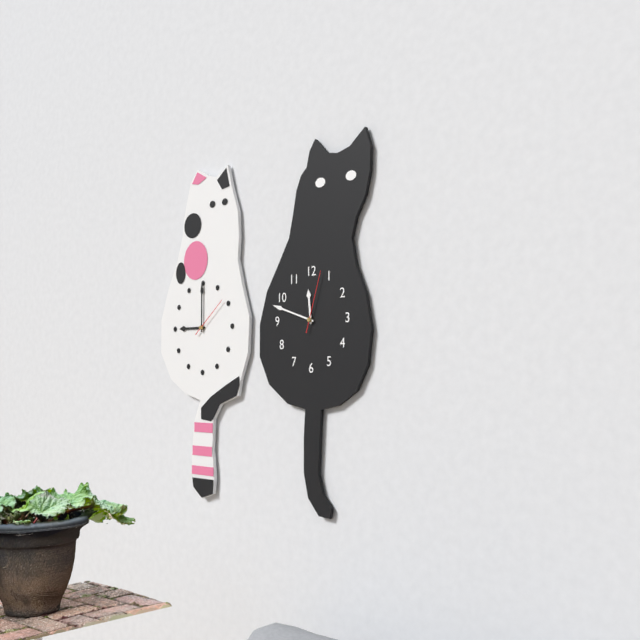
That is h=11 m=48 s=3
